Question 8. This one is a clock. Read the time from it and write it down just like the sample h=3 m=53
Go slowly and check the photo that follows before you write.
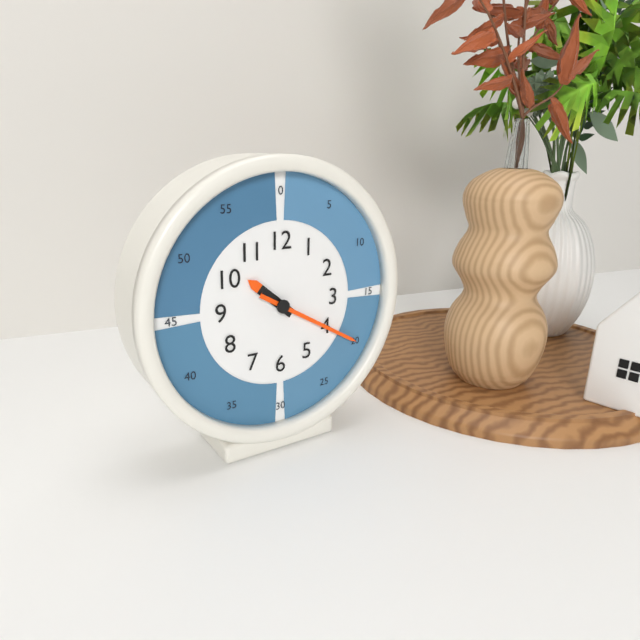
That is h=10 m=20
